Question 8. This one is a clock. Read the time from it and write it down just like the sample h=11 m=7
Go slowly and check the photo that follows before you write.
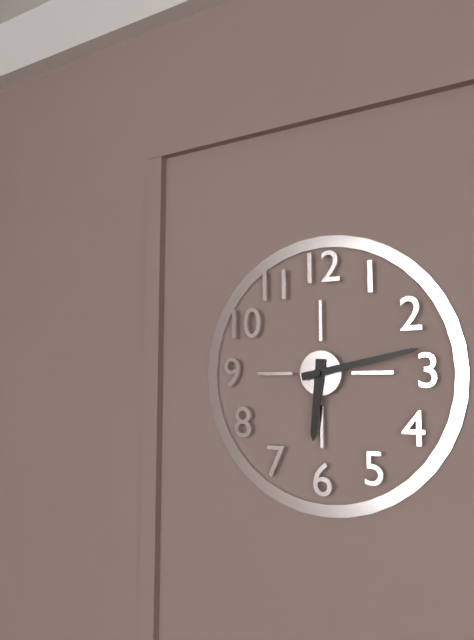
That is h=6 m=13
